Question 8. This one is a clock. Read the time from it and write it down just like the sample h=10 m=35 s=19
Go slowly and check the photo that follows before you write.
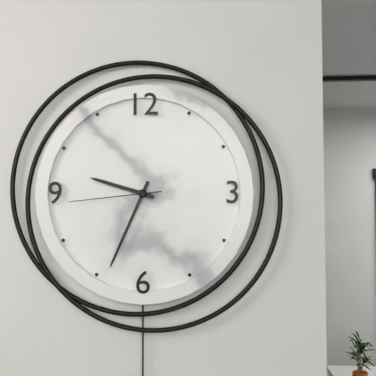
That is h=9 m=34 s=44
